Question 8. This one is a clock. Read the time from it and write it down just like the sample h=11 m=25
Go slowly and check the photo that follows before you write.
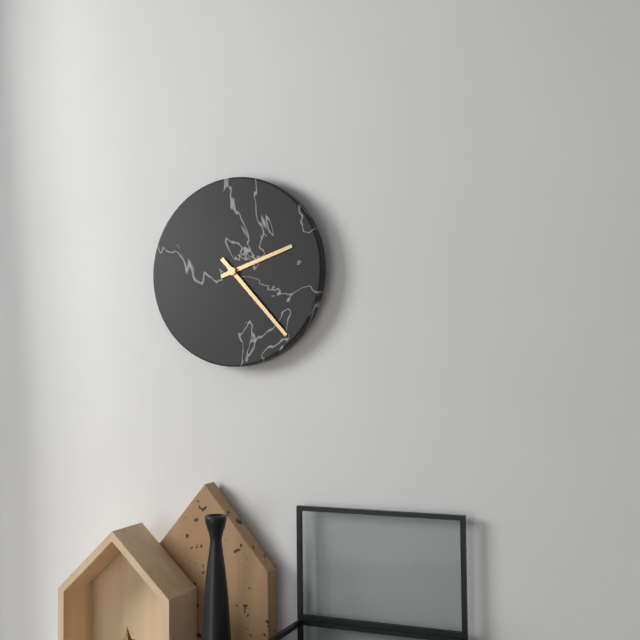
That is h=2 m=23
